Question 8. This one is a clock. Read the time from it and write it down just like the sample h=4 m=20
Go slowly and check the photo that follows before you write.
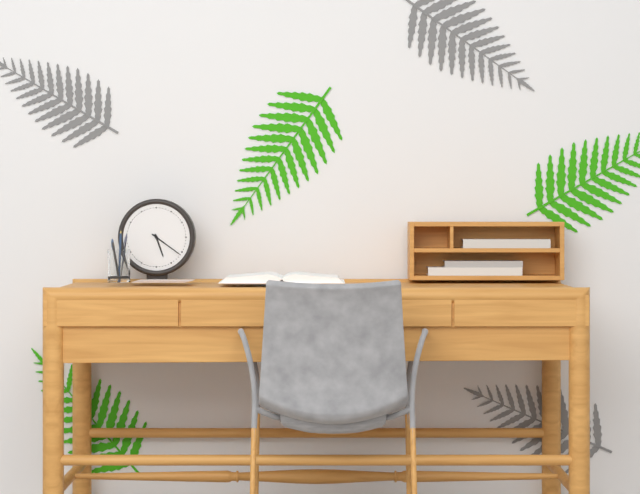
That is h=5 m=21
